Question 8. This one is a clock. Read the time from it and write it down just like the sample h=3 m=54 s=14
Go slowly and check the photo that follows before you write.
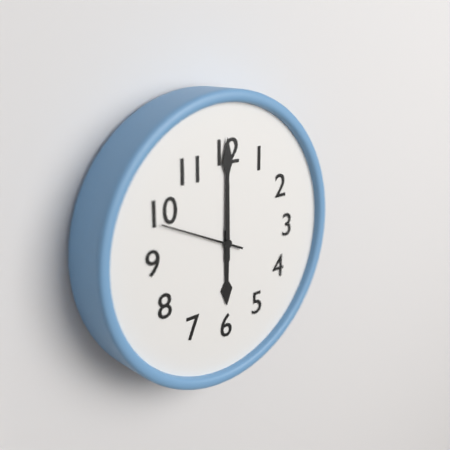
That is h=6 m=0 s=49
